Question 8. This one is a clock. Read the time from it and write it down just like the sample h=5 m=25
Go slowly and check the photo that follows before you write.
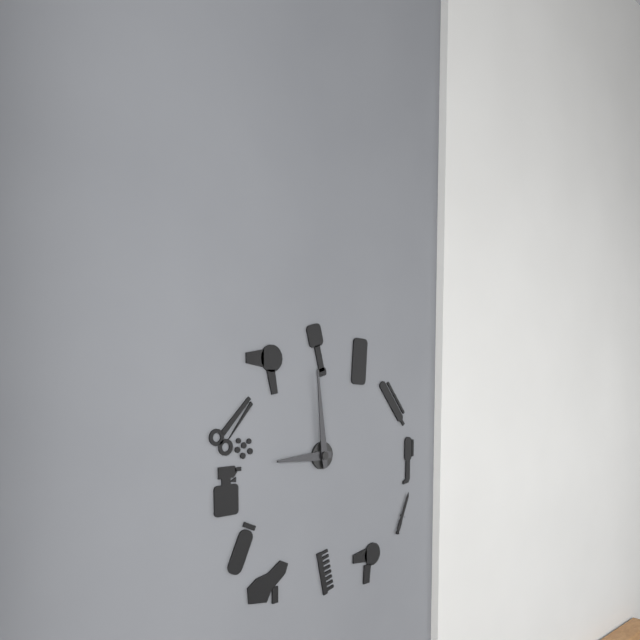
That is h=8 m=59
